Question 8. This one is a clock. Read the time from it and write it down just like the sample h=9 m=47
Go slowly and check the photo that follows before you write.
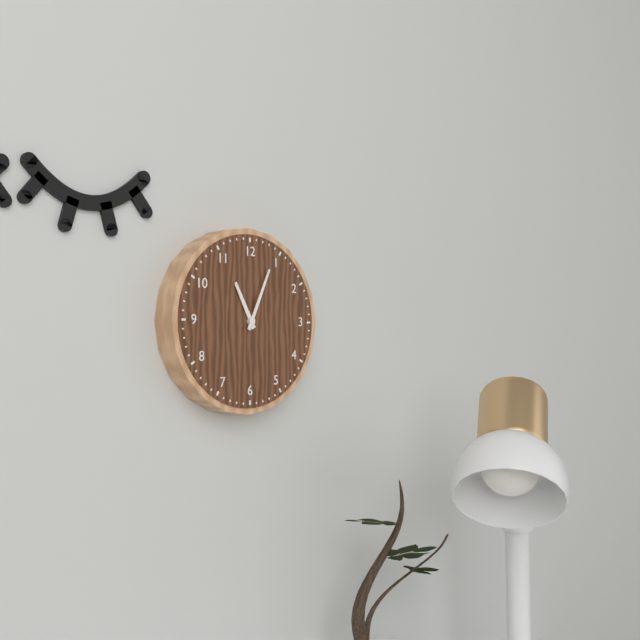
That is h=11 m=4
